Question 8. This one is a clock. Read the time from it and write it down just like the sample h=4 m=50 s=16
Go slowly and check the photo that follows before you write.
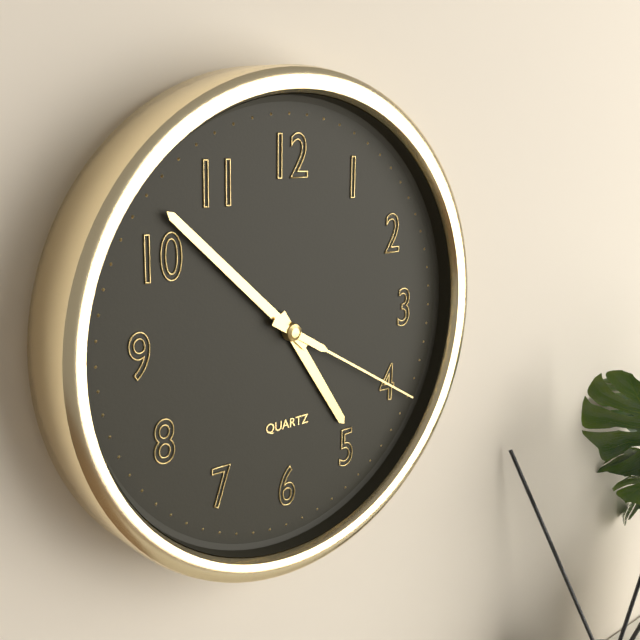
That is h=4 m=52 s=20
